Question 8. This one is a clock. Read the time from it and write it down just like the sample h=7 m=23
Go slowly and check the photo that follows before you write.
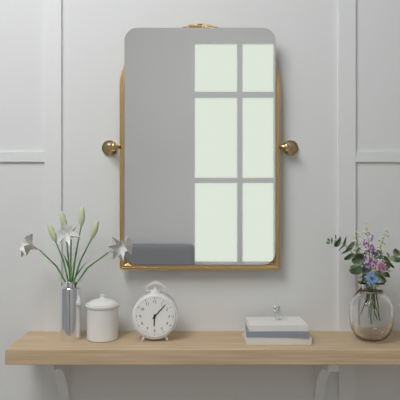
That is h=6 m=7
